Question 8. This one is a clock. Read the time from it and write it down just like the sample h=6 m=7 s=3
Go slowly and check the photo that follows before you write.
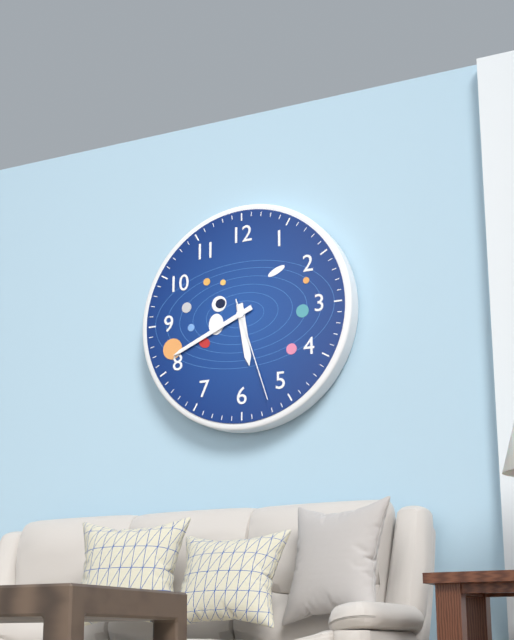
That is h=5 m=41 s=27
